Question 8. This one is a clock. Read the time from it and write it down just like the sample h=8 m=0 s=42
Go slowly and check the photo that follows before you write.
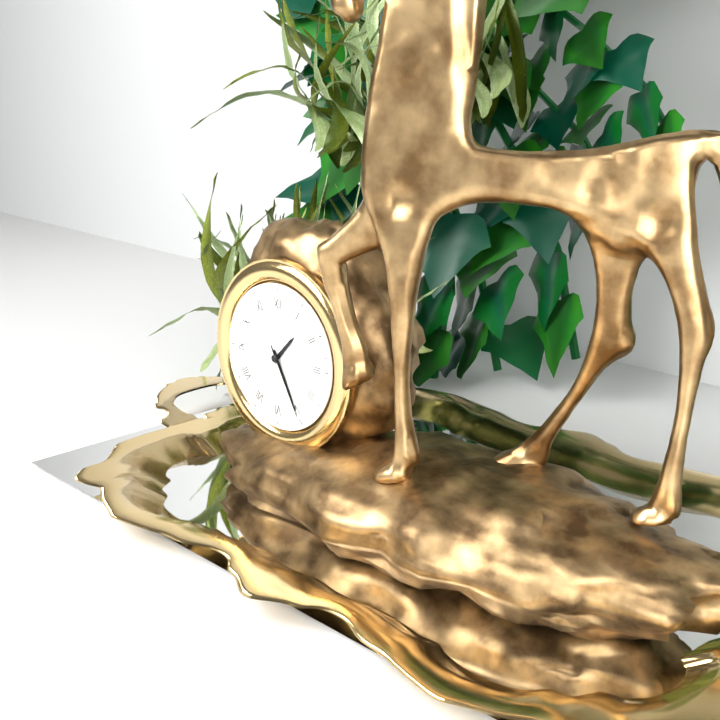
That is h=1 m=25 s=25
